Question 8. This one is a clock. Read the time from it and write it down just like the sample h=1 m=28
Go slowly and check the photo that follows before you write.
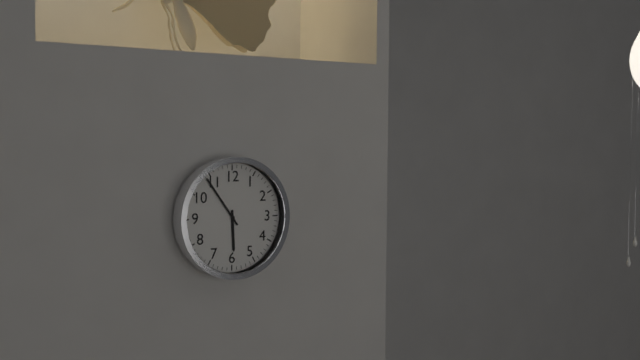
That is h=5 m=54
